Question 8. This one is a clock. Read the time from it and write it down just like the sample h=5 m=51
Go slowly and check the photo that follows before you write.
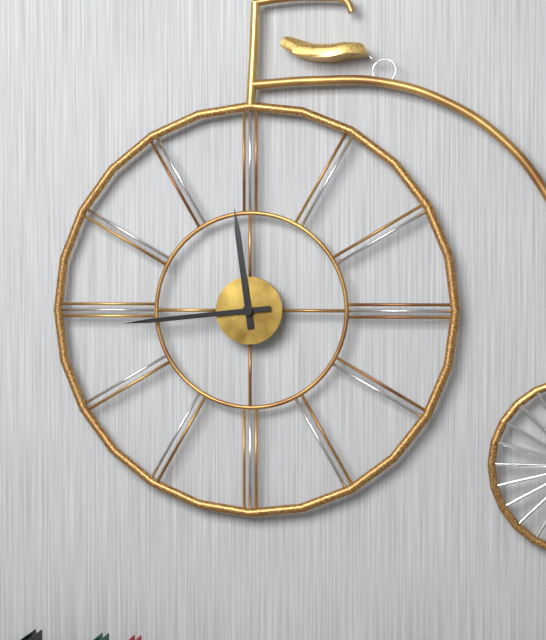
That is h=11 m=44
